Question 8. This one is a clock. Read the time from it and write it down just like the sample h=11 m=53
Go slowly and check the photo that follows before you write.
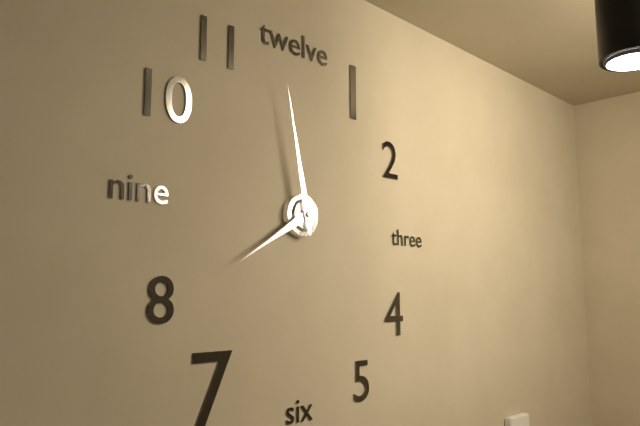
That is h=7 m=58
